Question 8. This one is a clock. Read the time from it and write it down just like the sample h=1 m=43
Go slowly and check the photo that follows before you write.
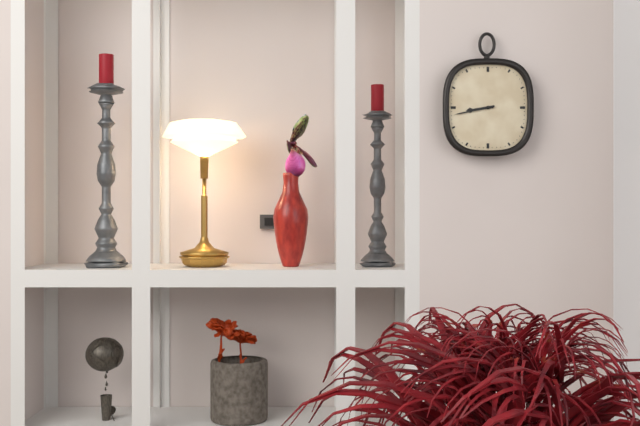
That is h=8 m=43
